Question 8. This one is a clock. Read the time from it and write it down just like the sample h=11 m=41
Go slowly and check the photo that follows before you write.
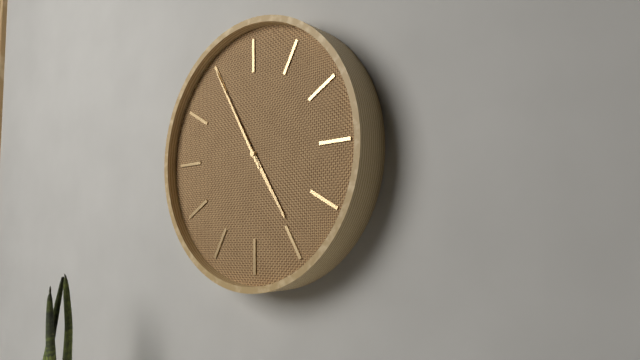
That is h=4 m=55
